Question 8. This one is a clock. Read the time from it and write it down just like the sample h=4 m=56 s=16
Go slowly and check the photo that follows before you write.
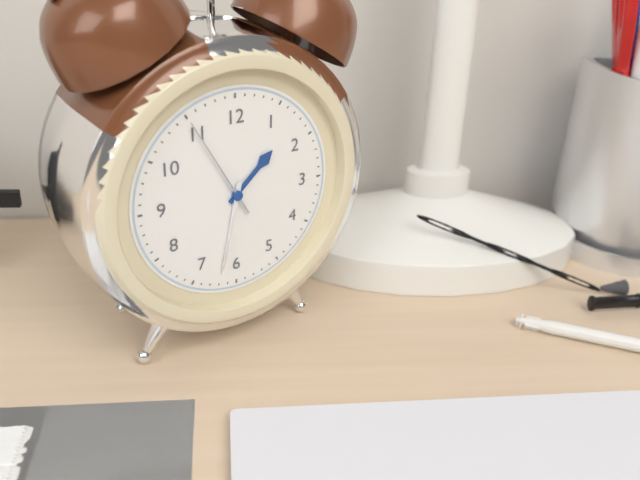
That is h=1 m=32 s=55
